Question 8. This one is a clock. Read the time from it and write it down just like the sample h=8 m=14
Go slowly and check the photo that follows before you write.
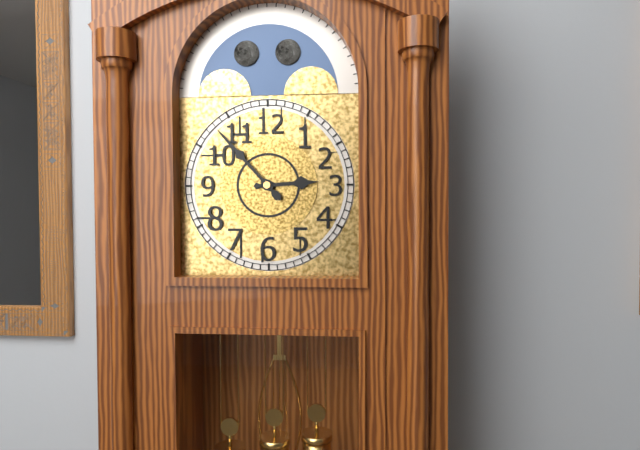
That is h=2 m=53
